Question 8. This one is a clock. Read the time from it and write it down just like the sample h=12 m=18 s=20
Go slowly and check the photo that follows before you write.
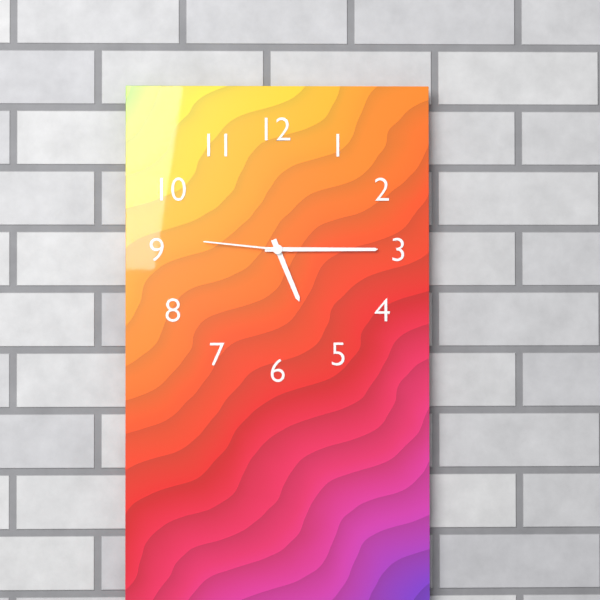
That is h=5 m=15 s=46
